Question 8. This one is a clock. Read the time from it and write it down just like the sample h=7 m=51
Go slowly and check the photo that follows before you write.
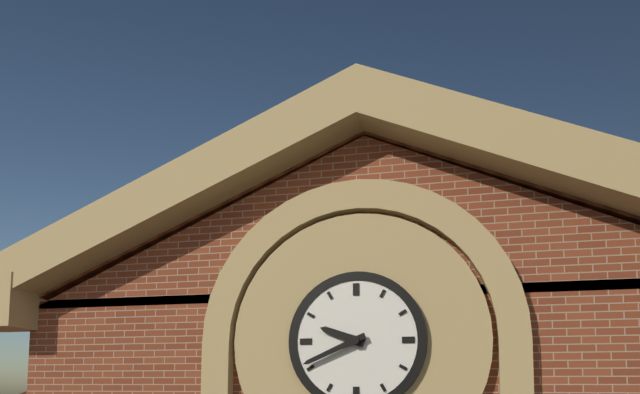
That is h=9 m=41
